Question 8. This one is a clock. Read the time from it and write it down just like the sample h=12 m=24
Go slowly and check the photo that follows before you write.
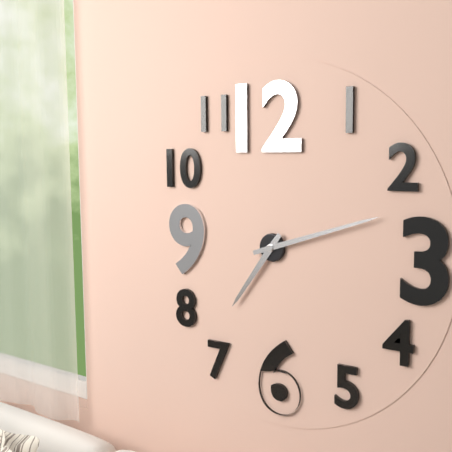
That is h=7 m=12
